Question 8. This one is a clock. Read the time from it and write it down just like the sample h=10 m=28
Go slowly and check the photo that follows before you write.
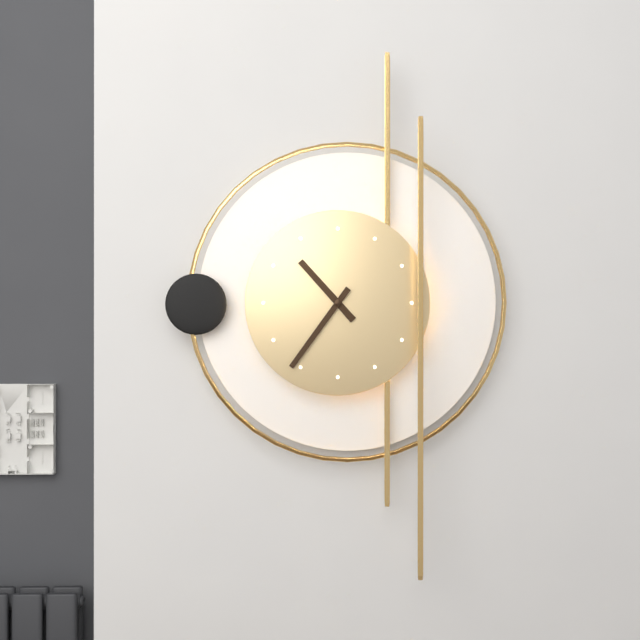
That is h=10 m=36
